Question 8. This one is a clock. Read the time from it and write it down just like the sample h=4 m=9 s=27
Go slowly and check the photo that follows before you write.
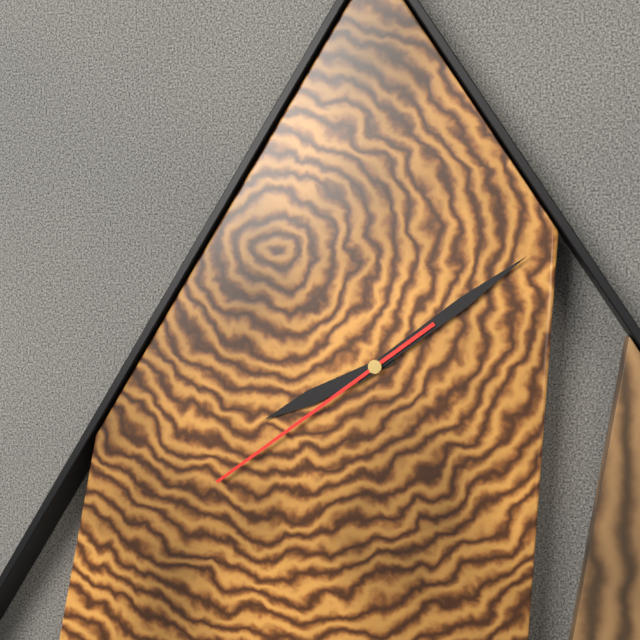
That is h=8 m=9 s=39
